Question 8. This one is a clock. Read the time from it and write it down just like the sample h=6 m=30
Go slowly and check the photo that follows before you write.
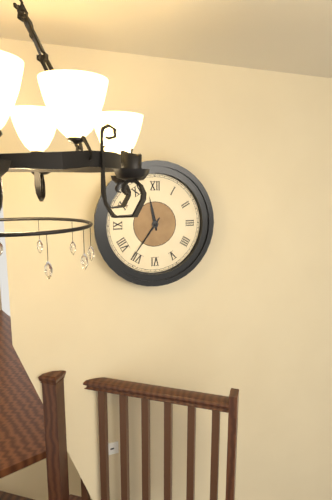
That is h=11 m=36
